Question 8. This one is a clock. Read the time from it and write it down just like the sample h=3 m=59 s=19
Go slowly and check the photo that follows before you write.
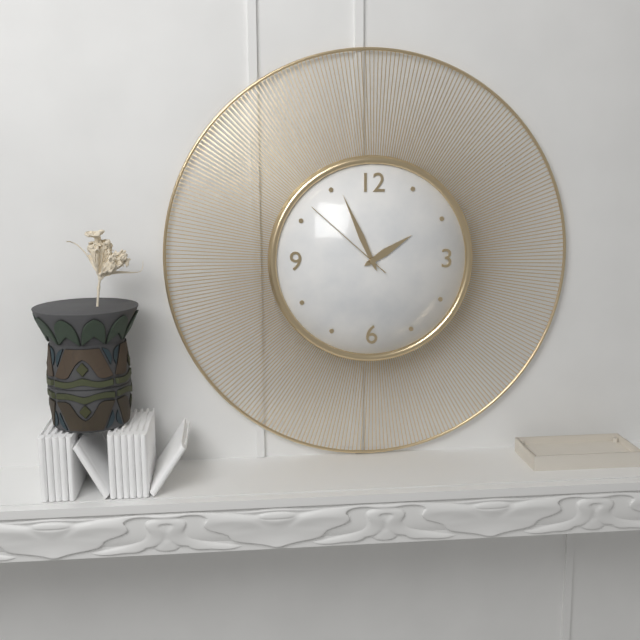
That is h=1 m=56 s=52
